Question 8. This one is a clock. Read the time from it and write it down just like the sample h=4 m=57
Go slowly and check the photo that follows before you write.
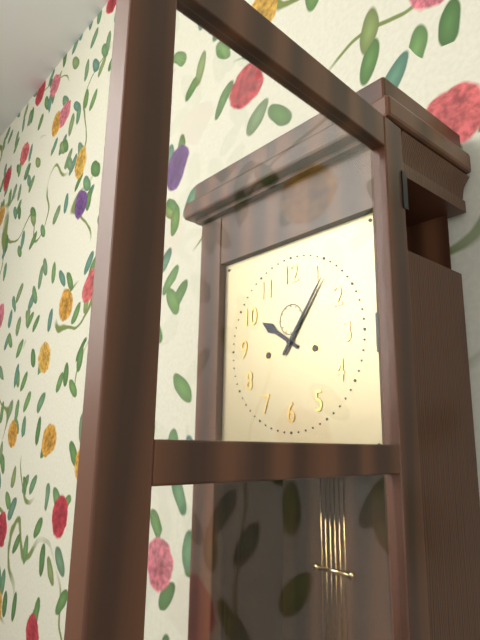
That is h=10 m=6
